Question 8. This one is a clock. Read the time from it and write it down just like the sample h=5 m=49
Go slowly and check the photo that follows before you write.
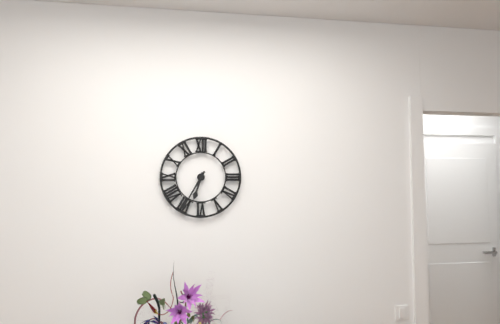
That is h=6 m=35
